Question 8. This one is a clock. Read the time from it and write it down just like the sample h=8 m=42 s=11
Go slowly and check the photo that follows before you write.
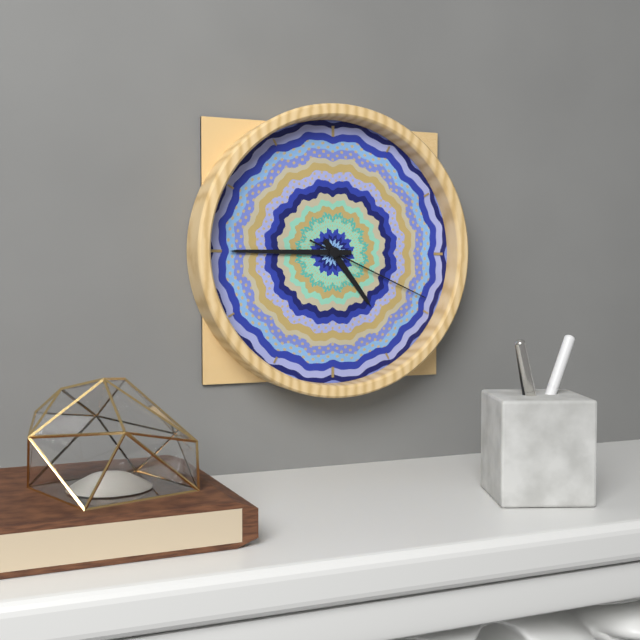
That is h=4 m=45 s=19
